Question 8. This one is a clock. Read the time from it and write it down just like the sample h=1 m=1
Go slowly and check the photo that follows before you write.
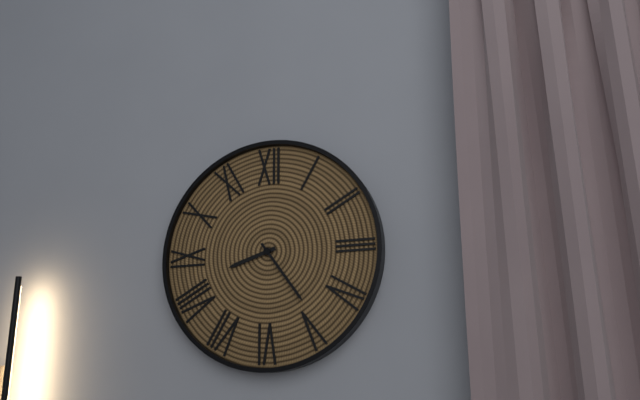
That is h=8 m=24
